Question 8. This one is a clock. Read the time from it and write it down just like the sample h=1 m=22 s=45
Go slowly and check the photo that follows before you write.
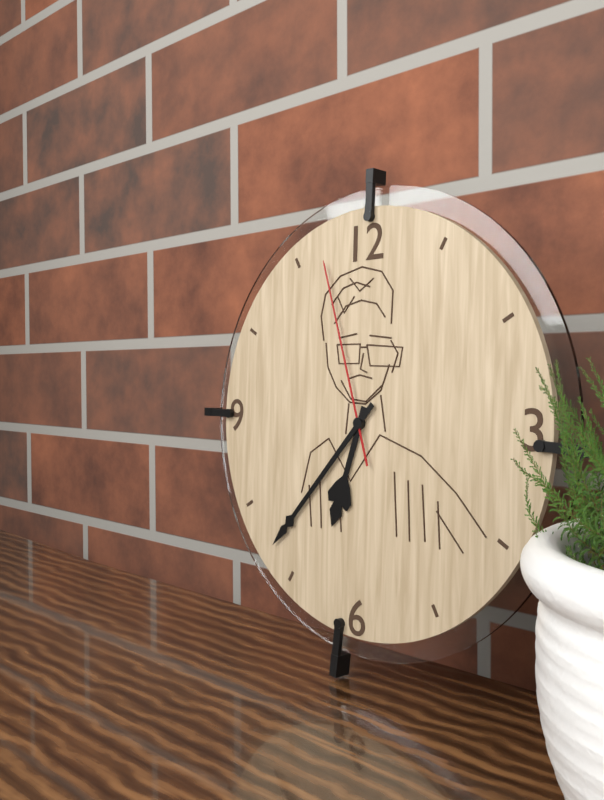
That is h=6 m=37 s=57
